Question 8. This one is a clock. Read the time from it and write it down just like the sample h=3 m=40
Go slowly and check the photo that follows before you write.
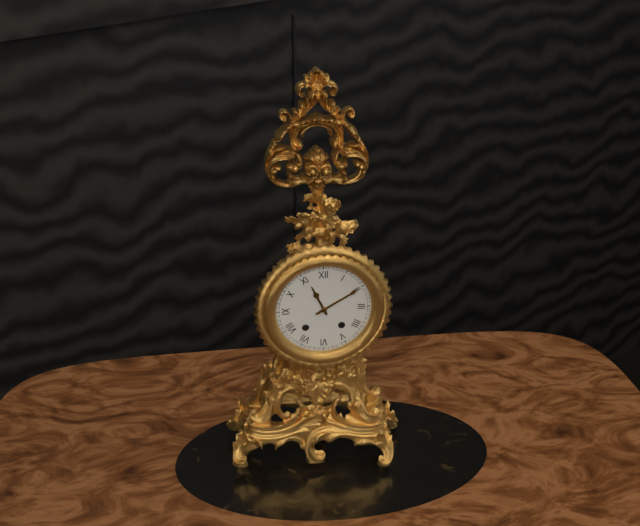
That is h=11 m=10
